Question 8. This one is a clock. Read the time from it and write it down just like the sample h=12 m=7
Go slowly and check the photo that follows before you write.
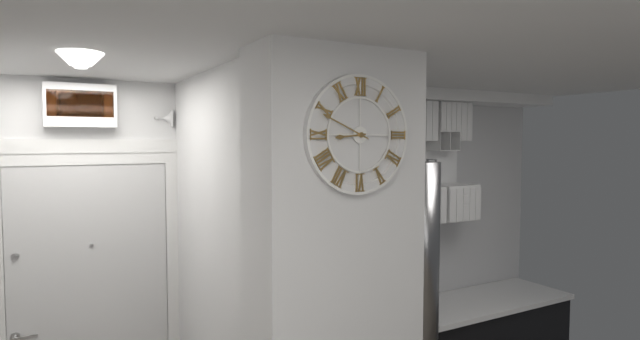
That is h=8 m=49
